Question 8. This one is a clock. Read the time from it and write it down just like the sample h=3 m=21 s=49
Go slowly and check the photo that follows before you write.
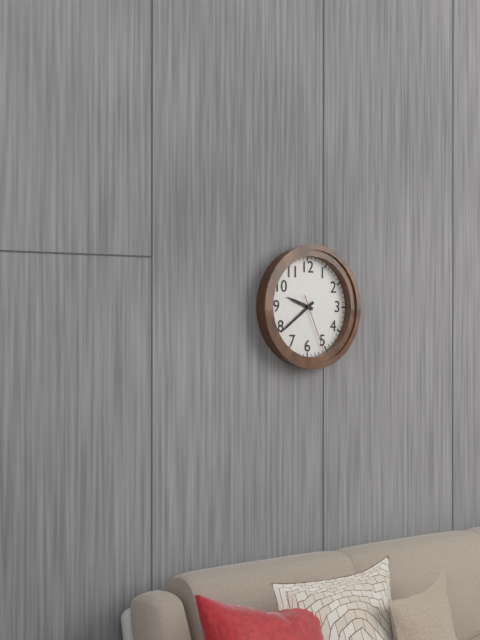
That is h=9 m=39 s=26
